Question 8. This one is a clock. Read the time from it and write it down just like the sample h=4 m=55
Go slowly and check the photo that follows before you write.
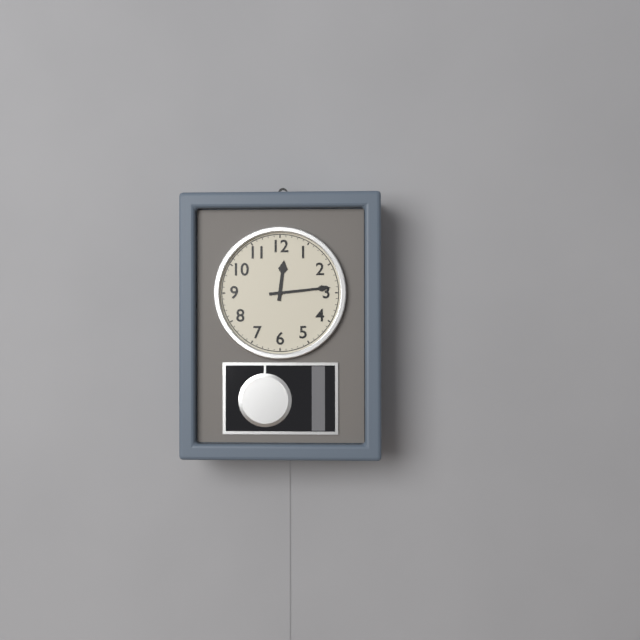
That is h=12 m=14
